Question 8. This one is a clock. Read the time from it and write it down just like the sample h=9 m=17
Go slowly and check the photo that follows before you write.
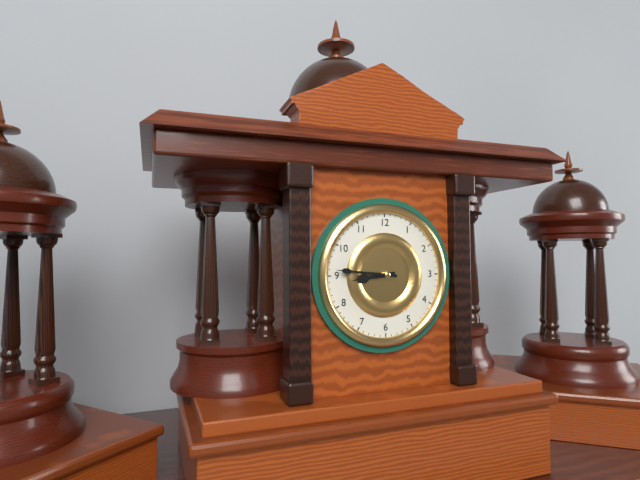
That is h=8 m=46
